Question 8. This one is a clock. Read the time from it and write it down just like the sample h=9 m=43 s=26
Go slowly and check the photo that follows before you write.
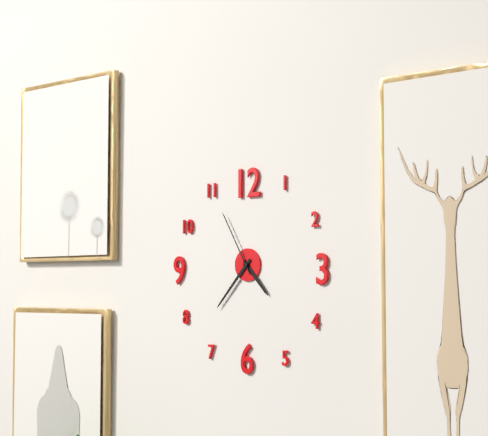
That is h=4 m=37 s=55
